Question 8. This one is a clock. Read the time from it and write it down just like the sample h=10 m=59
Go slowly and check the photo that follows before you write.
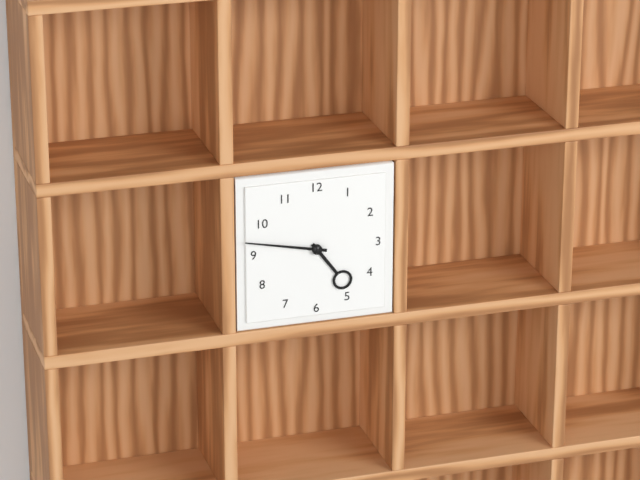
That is h=4 m=47
